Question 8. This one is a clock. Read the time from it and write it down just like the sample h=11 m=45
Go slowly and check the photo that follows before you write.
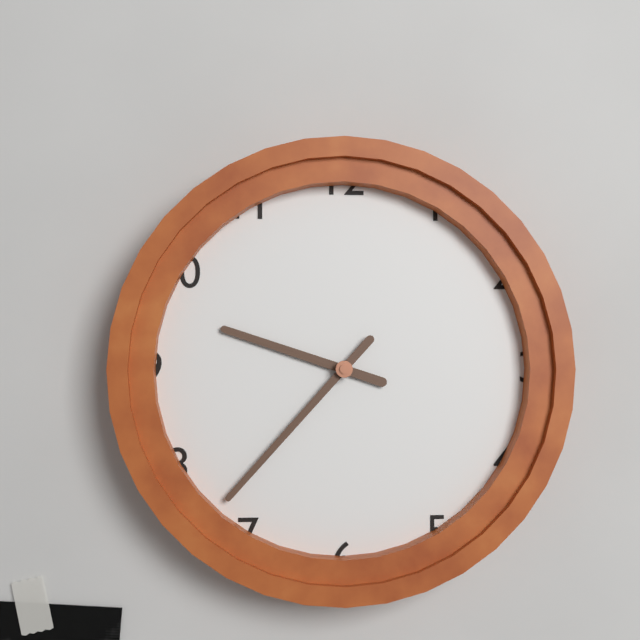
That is h=9 m=37
